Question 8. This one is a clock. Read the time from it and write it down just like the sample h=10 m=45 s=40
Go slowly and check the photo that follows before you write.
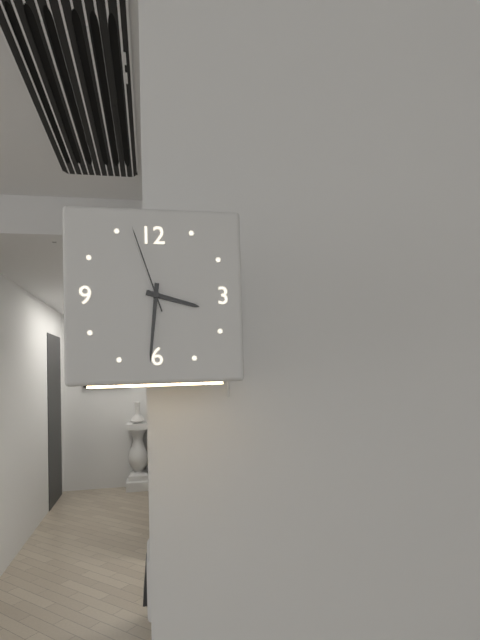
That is h=3 m=31 s=57
